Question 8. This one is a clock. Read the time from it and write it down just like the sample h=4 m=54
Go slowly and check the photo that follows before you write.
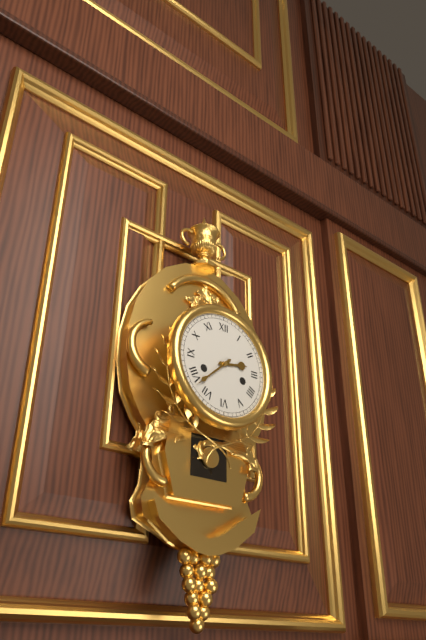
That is h=2 m=38
